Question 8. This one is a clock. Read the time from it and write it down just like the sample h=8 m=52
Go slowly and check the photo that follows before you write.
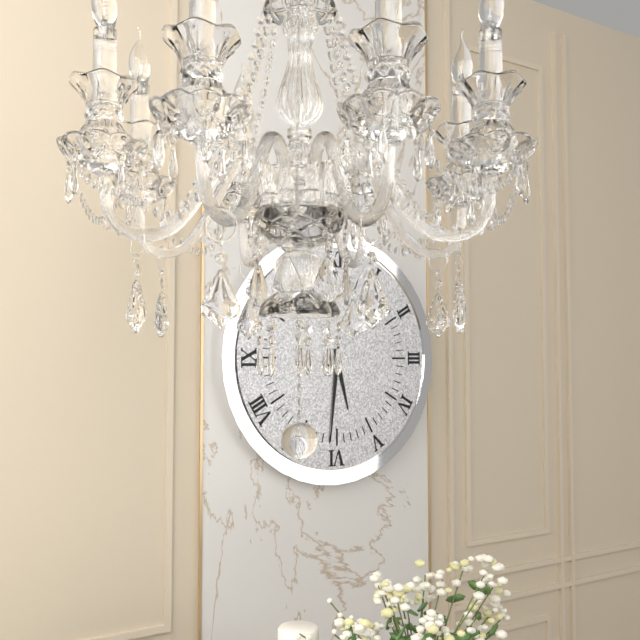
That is h=5 m=31
